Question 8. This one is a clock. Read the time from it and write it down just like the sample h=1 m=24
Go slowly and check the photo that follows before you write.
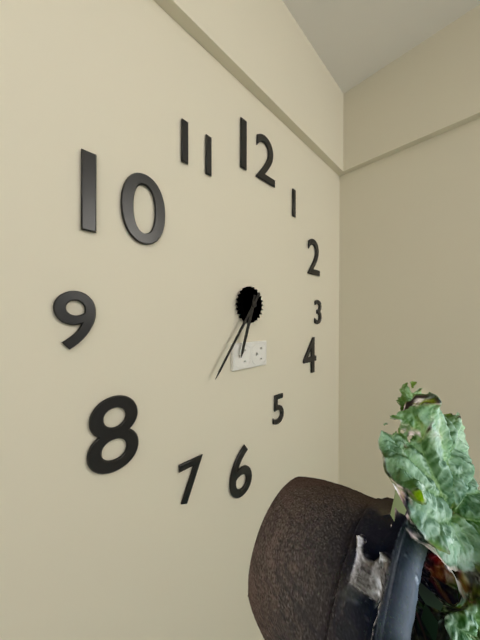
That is h=6 m=36
